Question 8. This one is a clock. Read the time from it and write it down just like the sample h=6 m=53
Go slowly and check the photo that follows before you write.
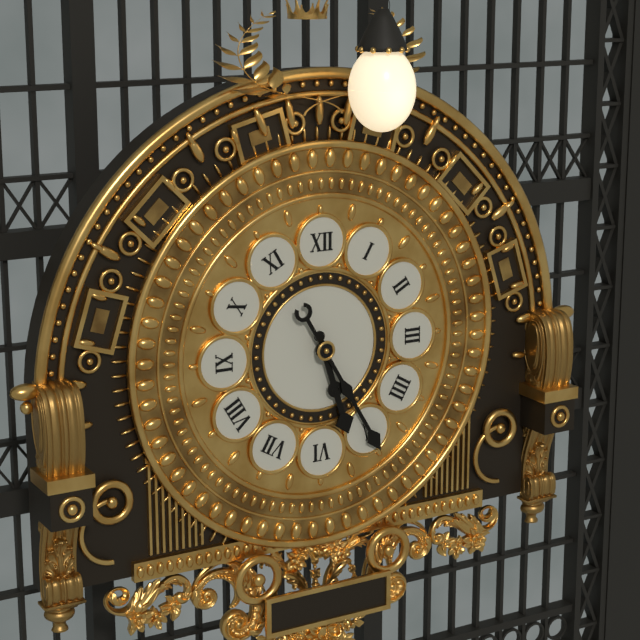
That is h=5 m=25
